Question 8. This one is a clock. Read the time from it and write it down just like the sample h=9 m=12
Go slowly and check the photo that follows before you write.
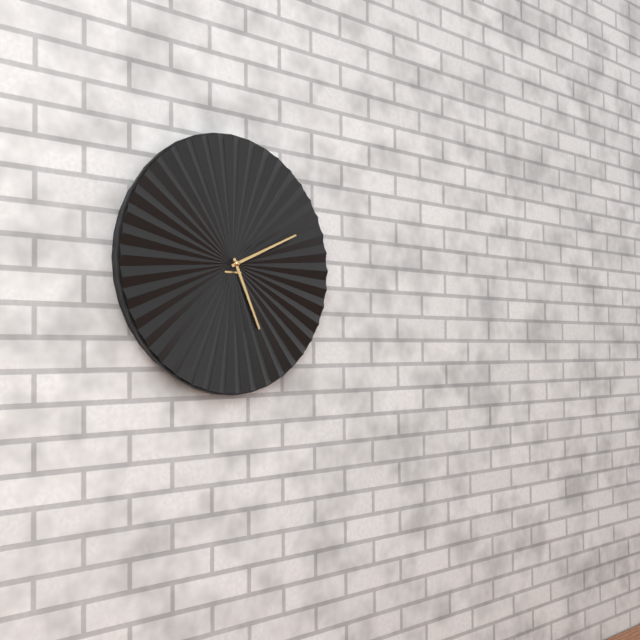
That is h=5 m=11
